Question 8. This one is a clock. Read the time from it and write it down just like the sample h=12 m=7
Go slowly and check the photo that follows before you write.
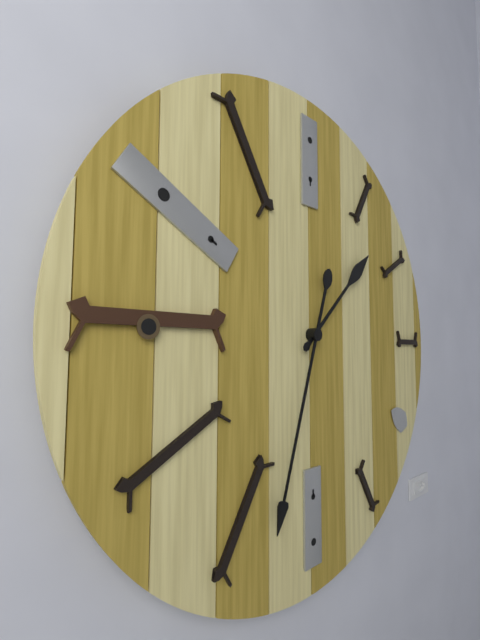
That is h=1 m=33
